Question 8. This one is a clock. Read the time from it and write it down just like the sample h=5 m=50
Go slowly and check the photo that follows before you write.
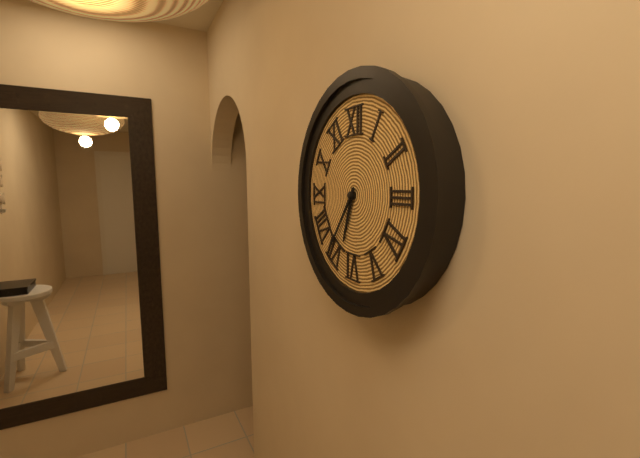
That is h=6 m=36
